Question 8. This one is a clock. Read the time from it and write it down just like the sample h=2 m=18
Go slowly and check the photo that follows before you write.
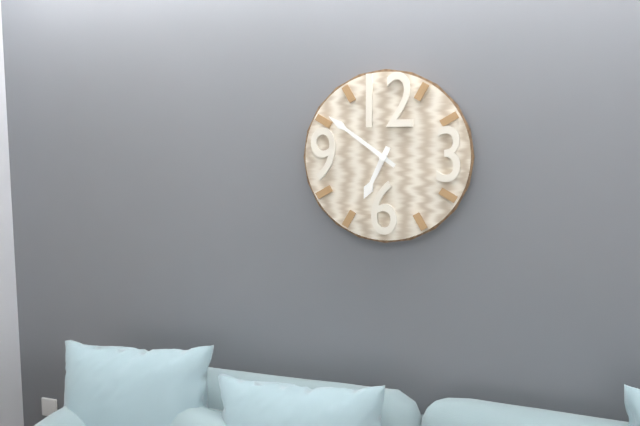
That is h=6 m=51
